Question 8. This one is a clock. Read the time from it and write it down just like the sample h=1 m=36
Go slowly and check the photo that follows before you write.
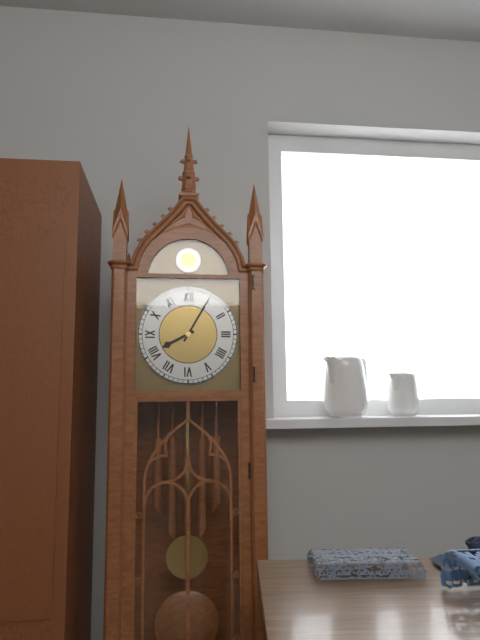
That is h=8 m=5
